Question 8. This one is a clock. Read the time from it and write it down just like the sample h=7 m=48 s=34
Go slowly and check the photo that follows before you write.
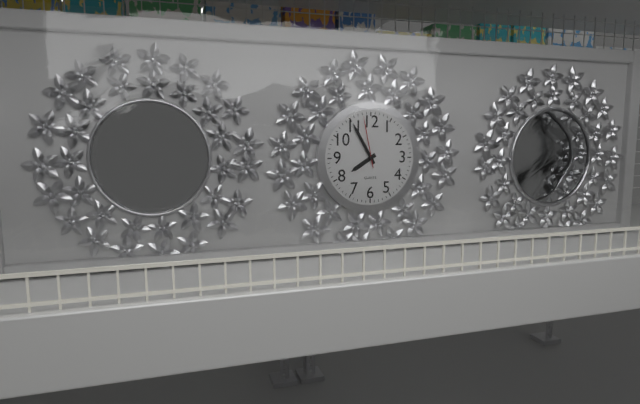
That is h=7 m=55 s=58
